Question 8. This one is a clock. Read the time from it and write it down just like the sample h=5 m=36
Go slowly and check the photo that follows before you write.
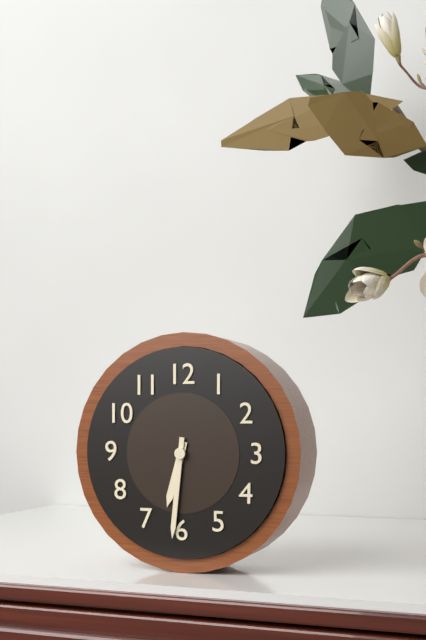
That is h=6 m=31
